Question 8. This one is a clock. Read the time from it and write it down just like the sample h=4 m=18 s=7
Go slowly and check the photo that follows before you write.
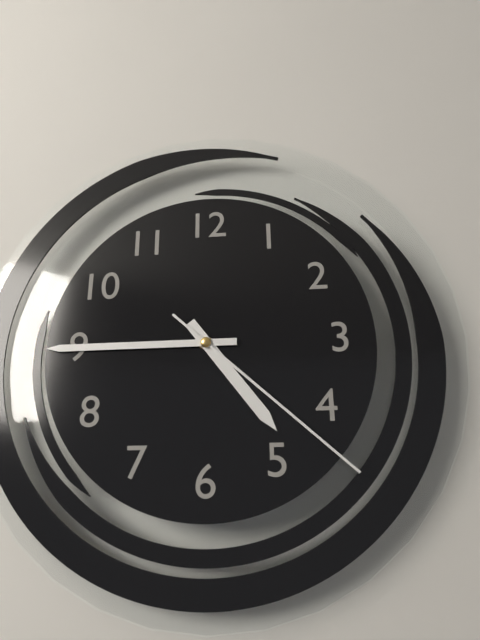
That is h=4 m=45 s=22
